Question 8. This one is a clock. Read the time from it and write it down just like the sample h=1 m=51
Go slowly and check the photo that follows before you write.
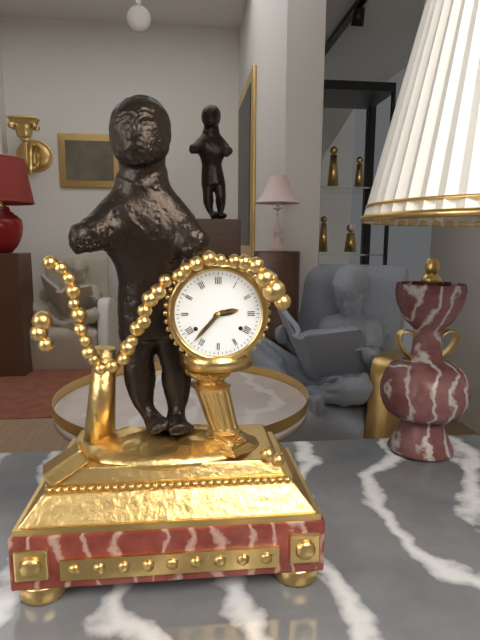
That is h=2 m=37
